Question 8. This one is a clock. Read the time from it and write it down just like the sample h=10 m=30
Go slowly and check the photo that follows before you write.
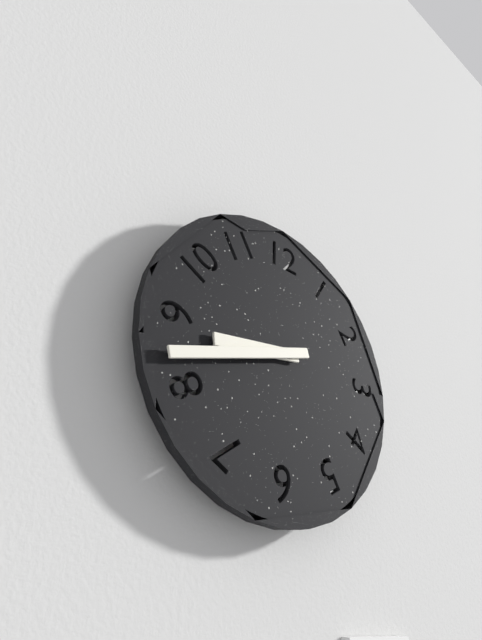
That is h=8 m=42
